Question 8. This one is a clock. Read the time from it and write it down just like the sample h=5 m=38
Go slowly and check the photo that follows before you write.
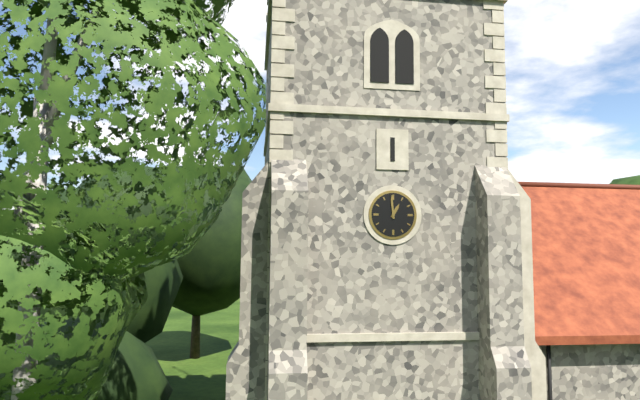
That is h=12 m=59
